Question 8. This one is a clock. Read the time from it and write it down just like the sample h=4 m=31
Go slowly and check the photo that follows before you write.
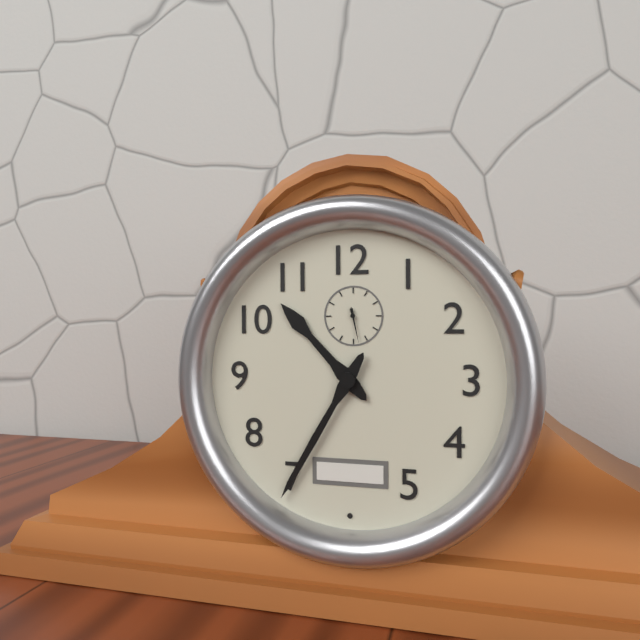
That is h=10 m=35
